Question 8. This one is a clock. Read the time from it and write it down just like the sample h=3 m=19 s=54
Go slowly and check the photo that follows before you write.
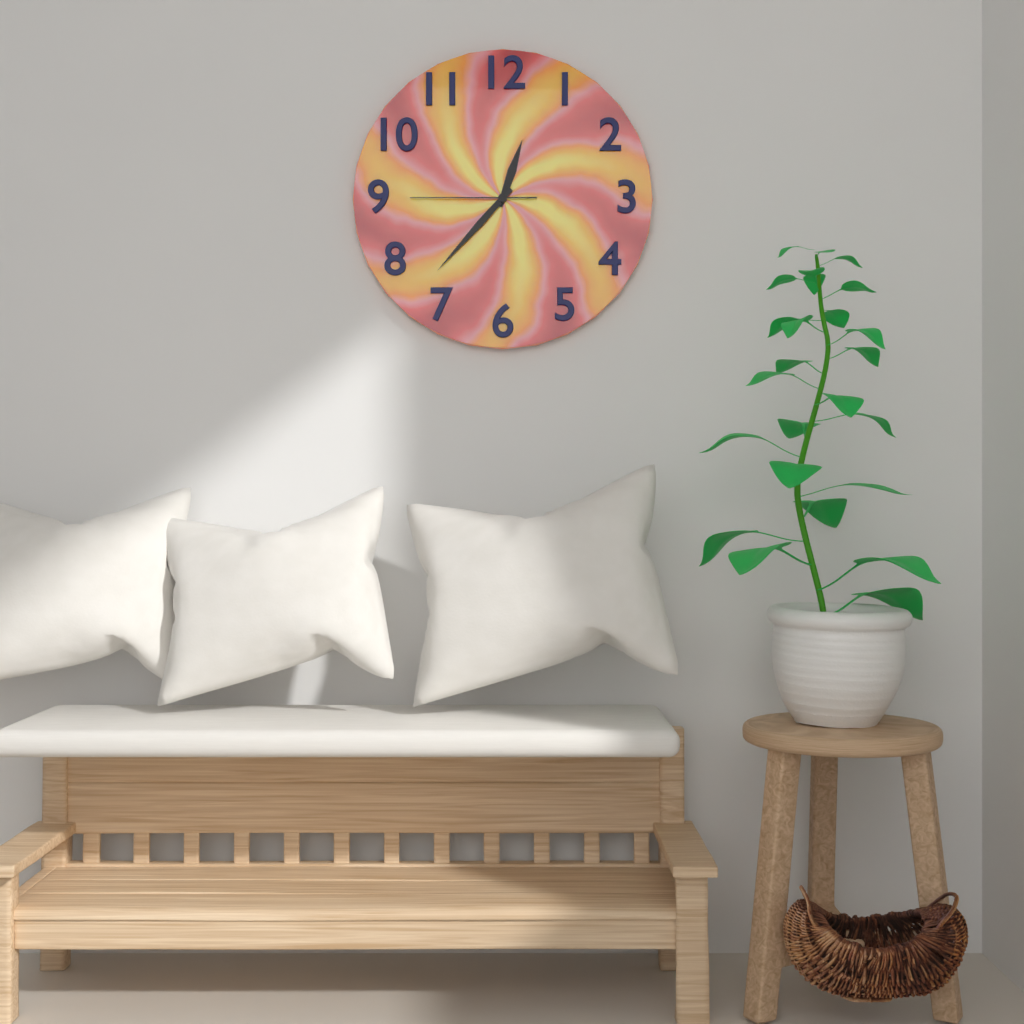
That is h=12 m=37 s=45
